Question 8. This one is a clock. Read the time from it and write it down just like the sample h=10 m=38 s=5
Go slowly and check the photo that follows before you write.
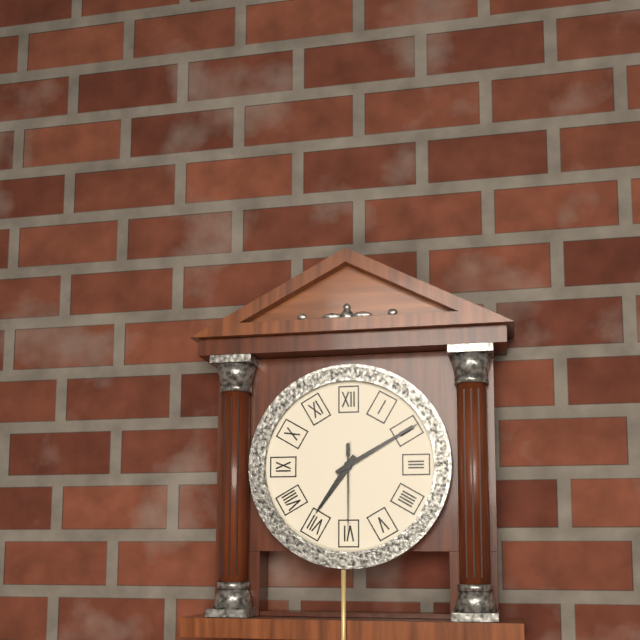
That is h=7 m=10 s=30
